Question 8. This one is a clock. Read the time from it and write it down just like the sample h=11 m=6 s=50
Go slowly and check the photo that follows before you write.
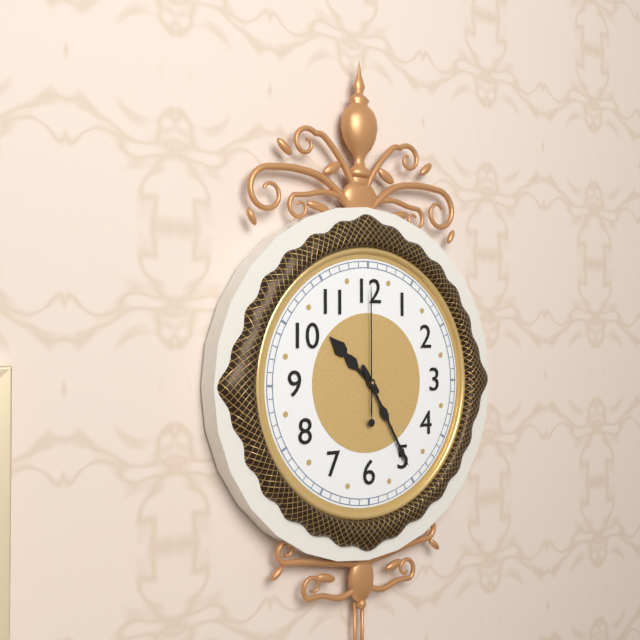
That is h=10 m=25 s=0
